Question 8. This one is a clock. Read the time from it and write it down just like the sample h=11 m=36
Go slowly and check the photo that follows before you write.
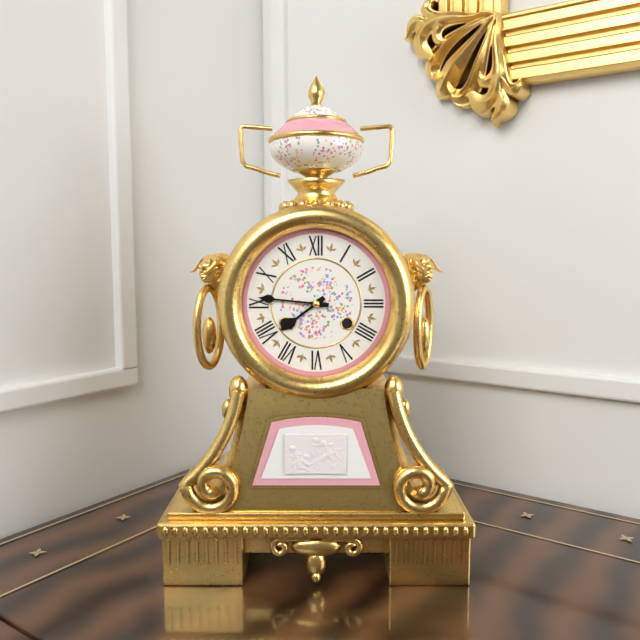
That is h=7 m=46
